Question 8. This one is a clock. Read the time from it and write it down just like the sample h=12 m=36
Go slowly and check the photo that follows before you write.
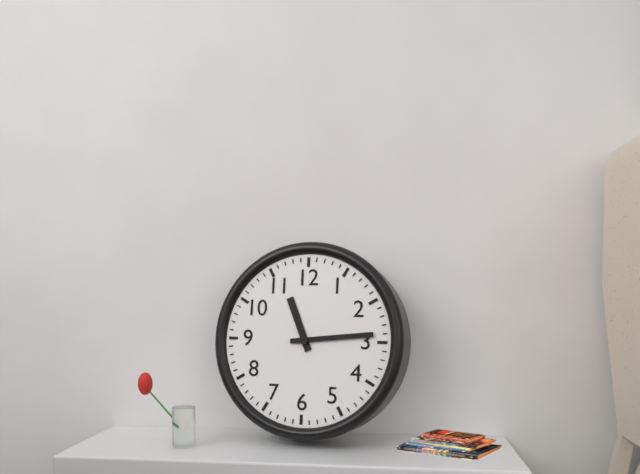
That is h=11 m=14
